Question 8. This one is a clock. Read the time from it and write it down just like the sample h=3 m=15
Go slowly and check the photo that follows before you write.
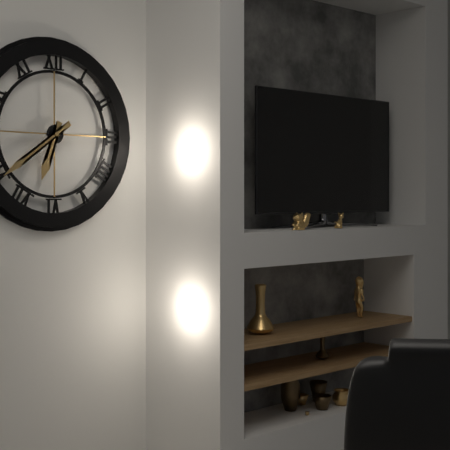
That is h=6 m=39
